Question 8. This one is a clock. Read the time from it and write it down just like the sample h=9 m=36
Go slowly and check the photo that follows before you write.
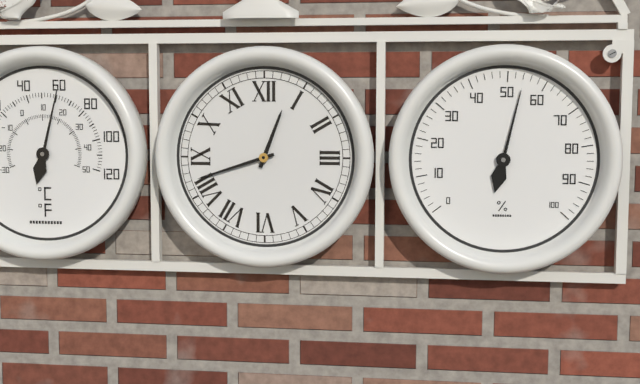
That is h=12 m=42
